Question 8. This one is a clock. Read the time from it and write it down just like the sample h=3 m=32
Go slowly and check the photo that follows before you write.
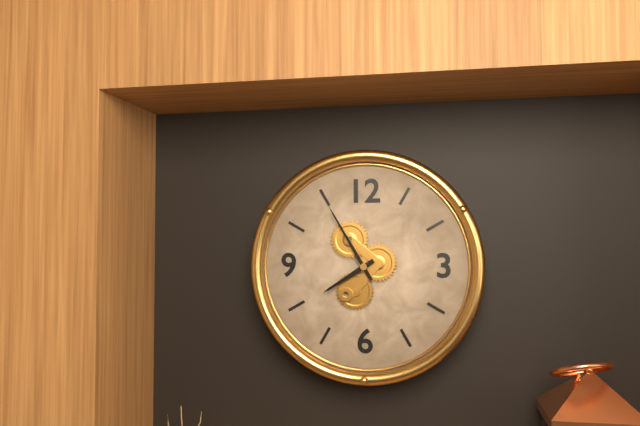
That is h=7 m=55
